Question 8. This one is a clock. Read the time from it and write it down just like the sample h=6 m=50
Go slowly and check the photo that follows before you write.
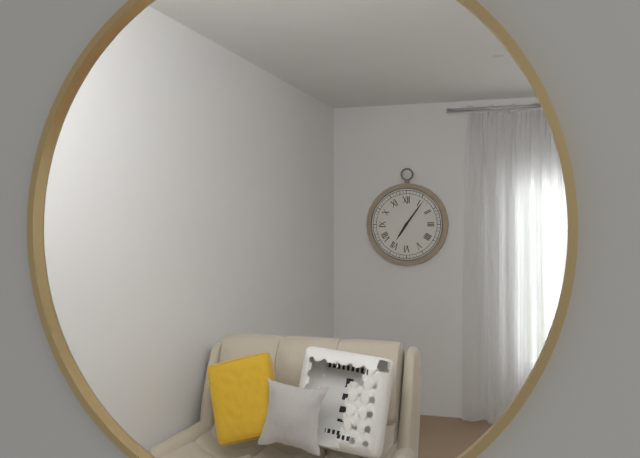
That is h=7 m=6
